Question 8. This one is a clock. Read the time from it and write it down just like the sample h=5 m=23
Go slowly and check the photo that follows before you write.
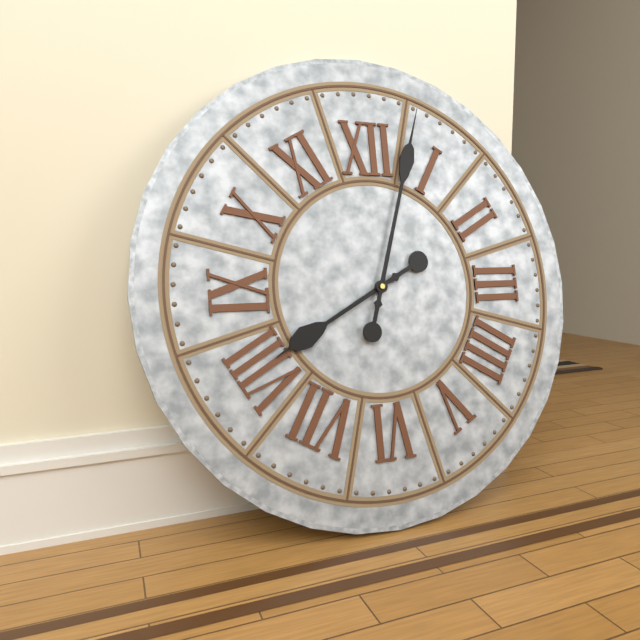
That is h=8 m=3
